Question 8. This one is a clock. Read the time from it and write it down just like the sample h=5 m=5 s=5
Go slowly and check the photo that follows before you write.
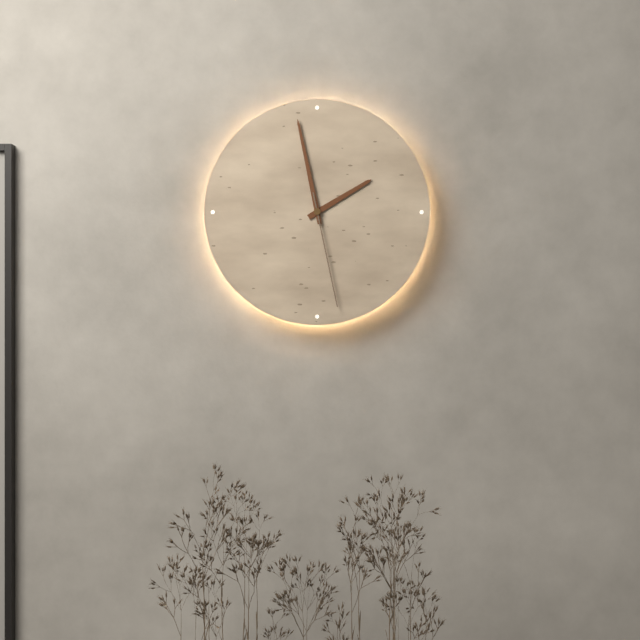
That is h=1 m=58 s=28
